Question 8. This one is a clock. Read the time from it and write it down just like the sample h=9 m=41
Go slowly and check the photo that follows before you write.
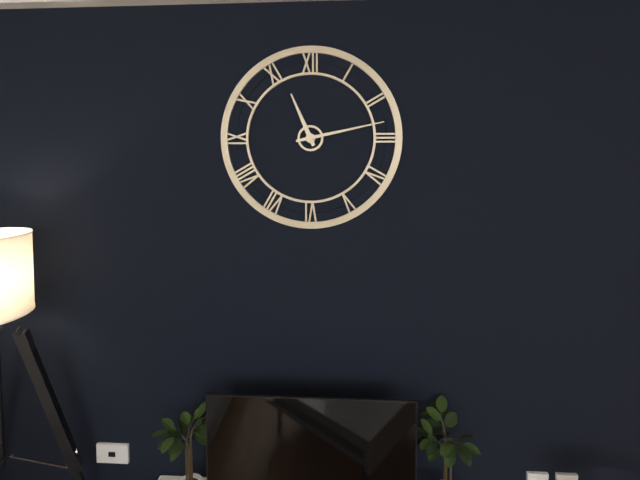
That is h=11 m=13
